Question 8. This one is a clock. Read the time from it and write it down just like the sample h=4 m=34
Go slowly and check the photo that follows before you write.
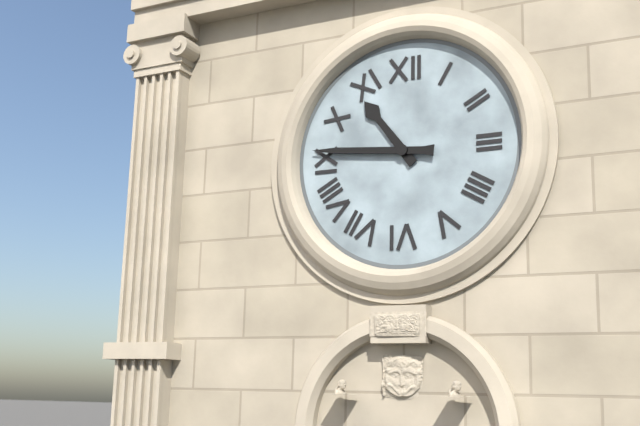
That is h=10 m=46
